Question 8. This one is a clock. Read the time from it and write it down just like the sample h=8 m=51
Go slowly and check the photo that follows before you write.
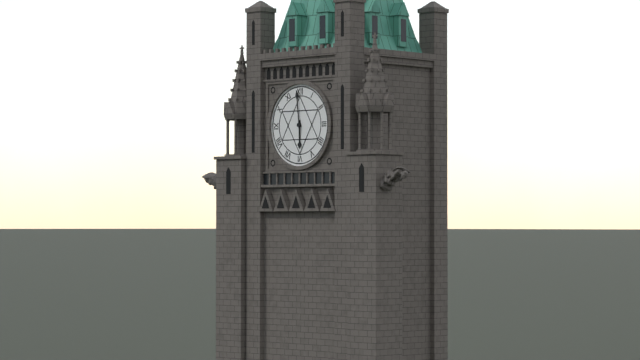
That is h=5 m=59
